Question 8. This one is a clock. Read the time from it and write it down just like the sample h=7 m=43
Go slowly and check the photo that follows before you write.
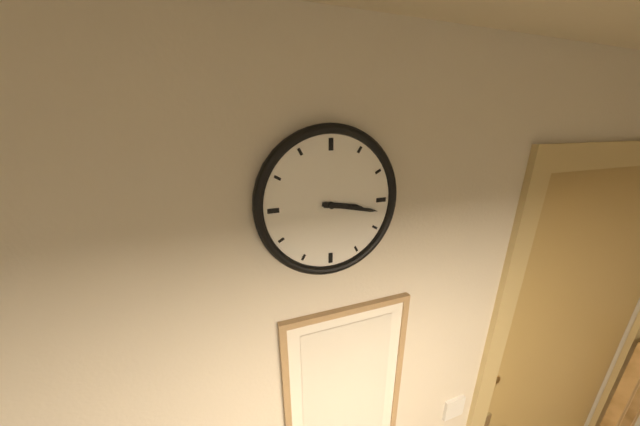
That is h=3 m=17
